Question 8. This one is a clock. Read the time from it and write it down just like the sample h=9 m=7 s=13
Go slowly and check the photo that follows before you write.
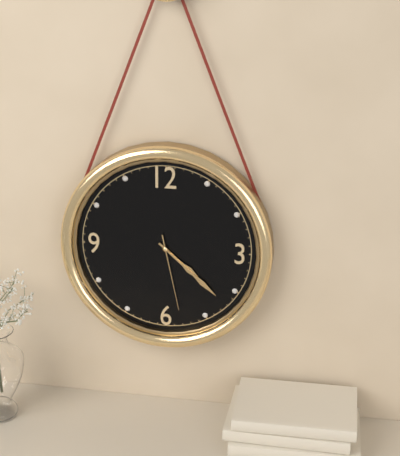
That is h=4 m=22 s=28
